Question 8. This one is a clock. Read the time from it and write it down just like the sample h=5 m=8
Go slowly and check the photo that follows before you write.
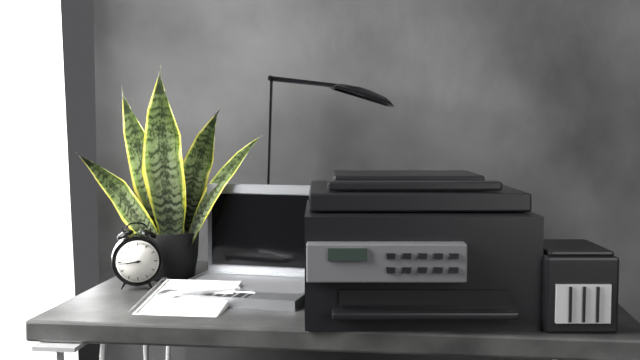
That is h=8 m=44
